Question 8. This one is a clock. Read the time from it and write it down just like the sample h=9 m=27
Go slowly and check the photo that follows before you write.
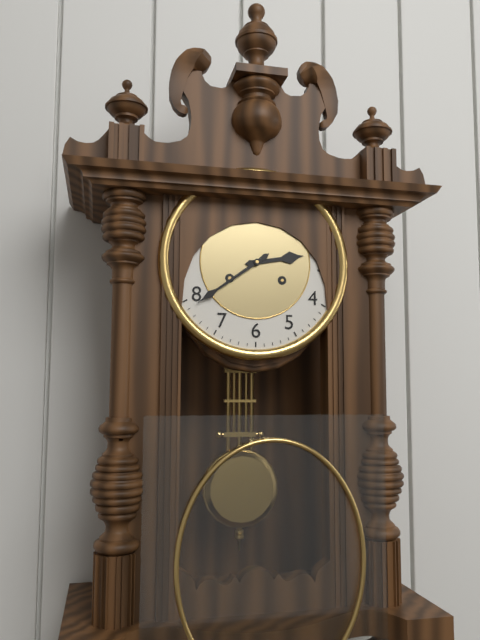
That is h=2 m=39
